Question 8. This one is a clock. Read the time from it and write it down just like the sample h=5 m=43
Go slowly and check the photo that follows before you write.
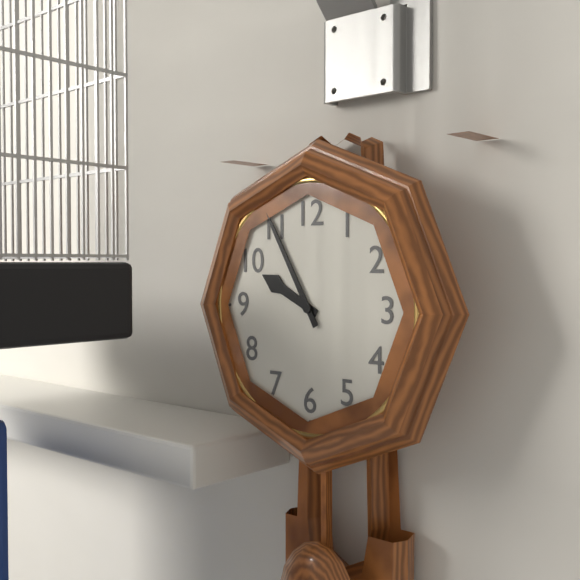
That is h=9 m=55
